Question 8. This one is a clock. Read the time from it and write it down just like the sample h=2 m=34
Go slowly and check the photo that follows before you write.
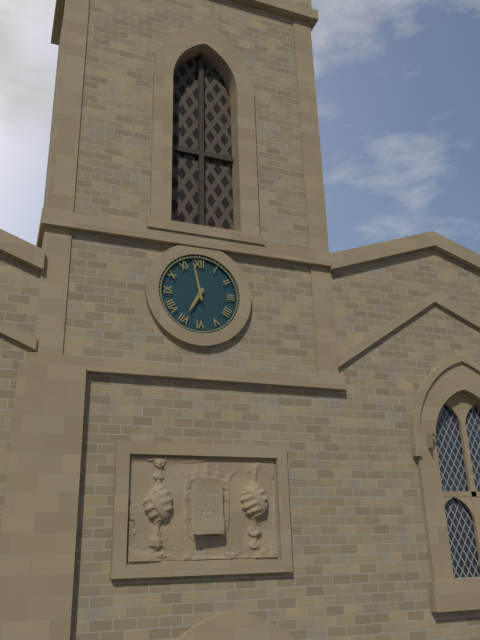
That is h=6 m=58
